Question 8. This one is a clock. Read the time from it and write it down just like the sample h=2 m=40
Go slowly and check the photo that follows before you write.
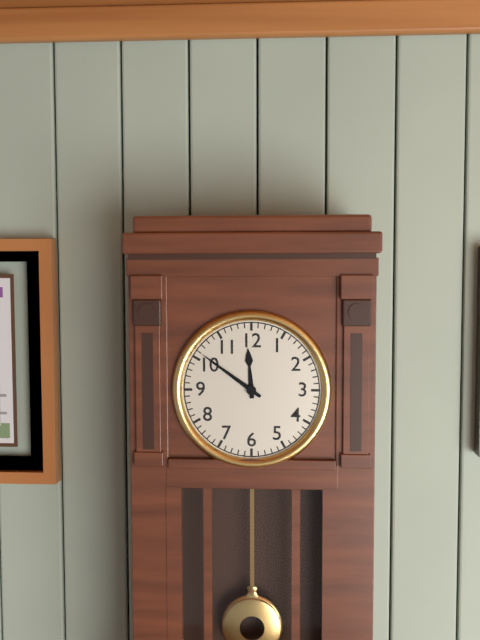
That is h=11 m=51
